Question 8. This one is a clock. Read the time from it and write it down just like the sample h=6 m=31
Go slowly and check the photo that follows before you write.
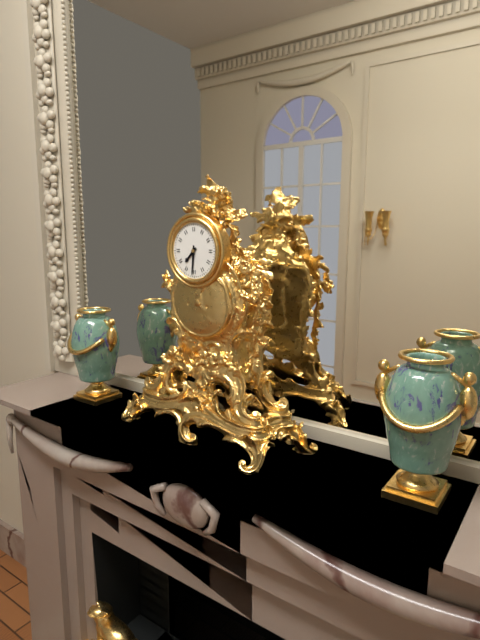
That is h=7 m=31
